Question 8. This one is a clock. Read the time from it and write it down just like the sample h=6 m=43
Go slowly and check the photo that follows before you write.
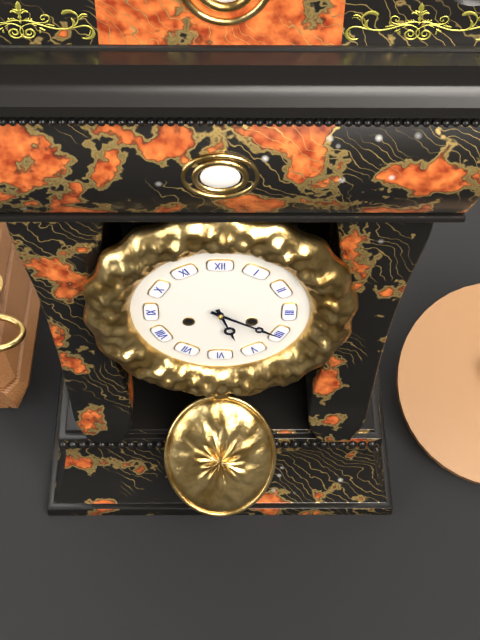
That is h=5 m=20
